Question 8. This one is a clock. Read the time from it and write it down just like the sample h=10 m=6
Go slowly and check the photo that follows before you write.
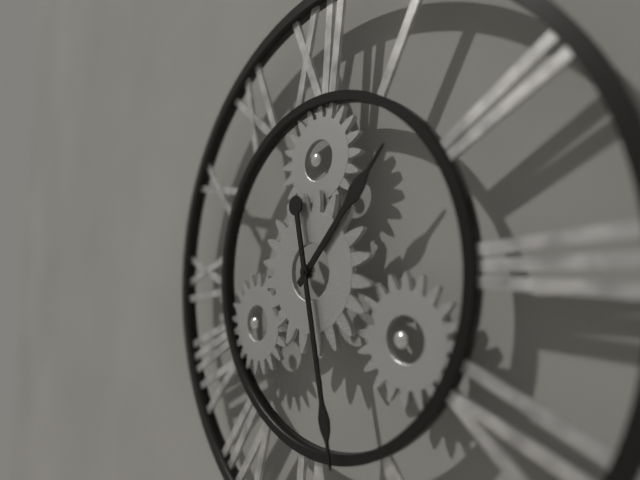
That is h=1 m=28
